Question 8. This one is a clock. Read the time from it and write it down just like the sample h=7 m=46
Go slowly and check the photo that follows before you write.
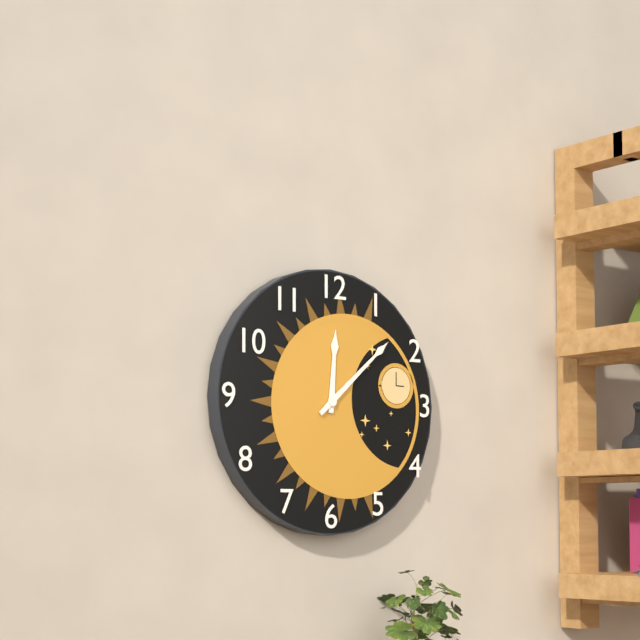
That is h=12 m=8
